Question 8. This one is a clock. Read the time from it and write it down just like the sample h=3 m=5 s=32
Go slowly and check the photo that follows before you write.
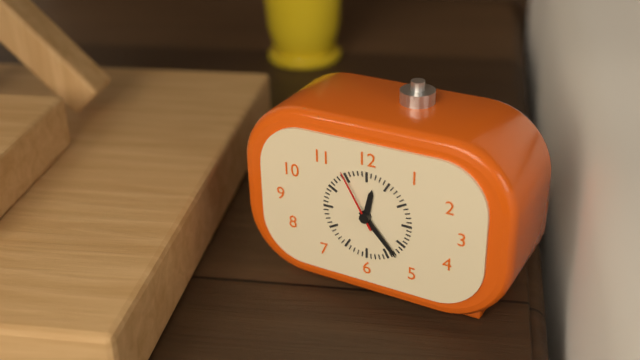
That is h=12 m=23 s=55
